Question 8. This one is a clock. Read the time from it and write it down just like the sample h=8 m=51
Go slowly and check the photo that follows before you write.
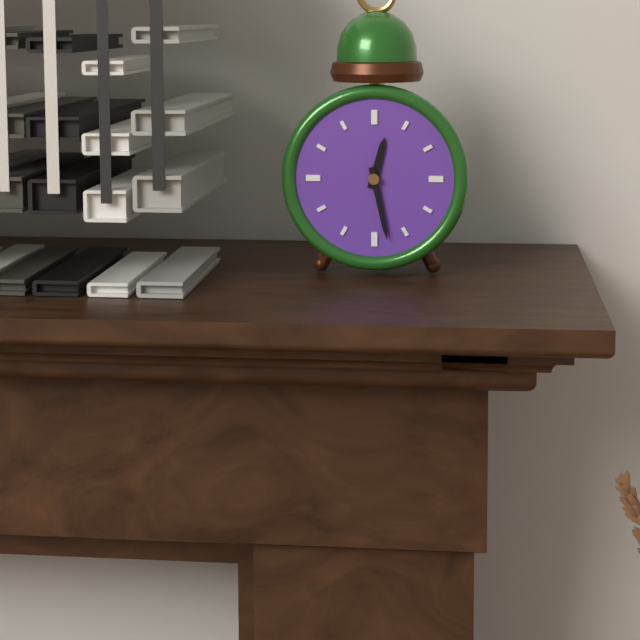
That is h=12 m=28
